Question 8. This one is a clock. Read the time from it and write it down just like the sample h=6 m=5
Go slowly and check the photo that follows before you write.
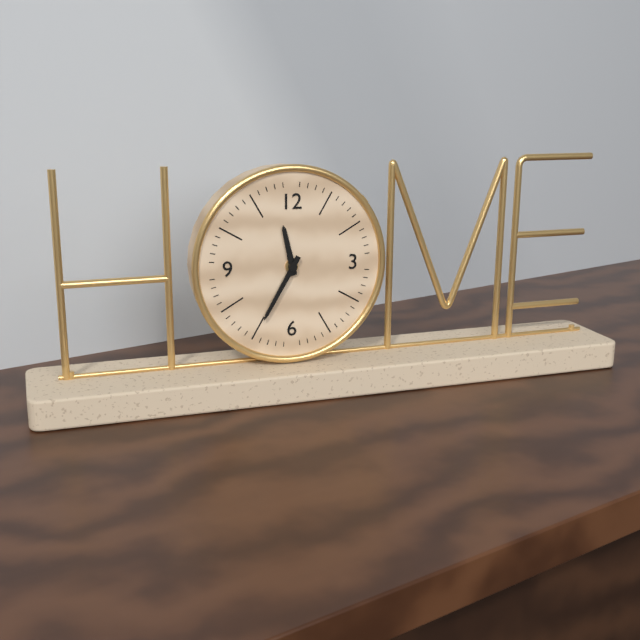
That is h=11 m=35
